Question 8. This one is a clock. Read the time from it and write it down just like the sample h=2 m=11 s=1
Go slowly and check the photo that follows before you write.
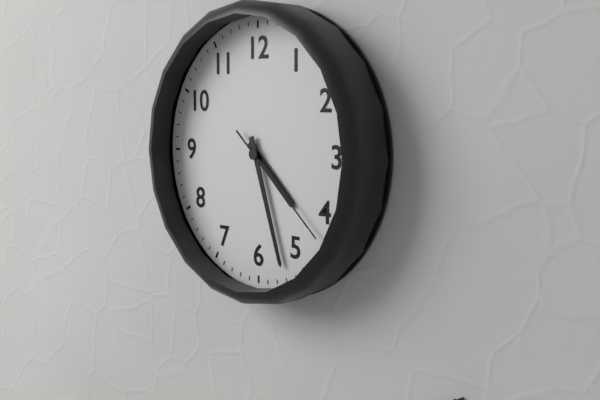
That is h=4 m=27 s=22
